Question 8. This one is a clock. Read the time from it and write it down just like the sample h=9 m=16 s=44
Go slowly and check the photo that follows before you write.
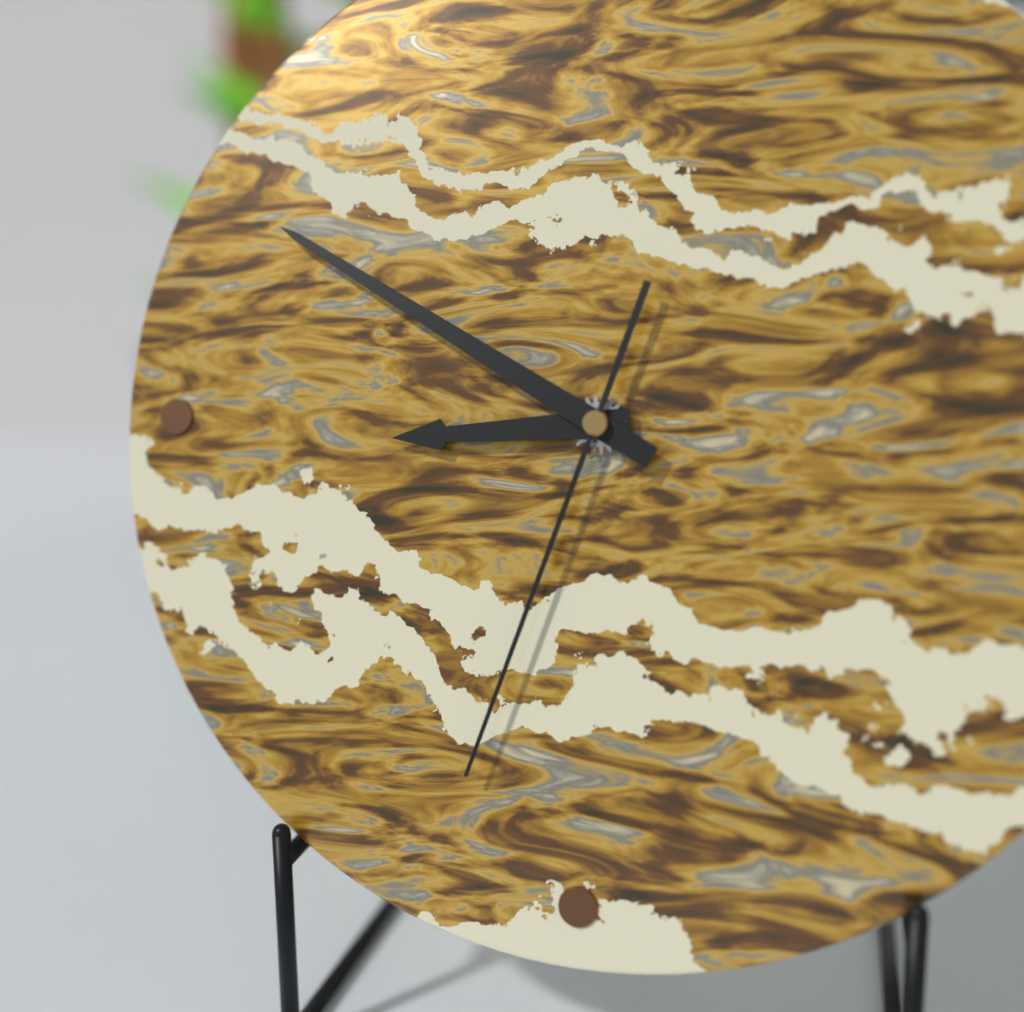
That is h=8 m=50 s=33
